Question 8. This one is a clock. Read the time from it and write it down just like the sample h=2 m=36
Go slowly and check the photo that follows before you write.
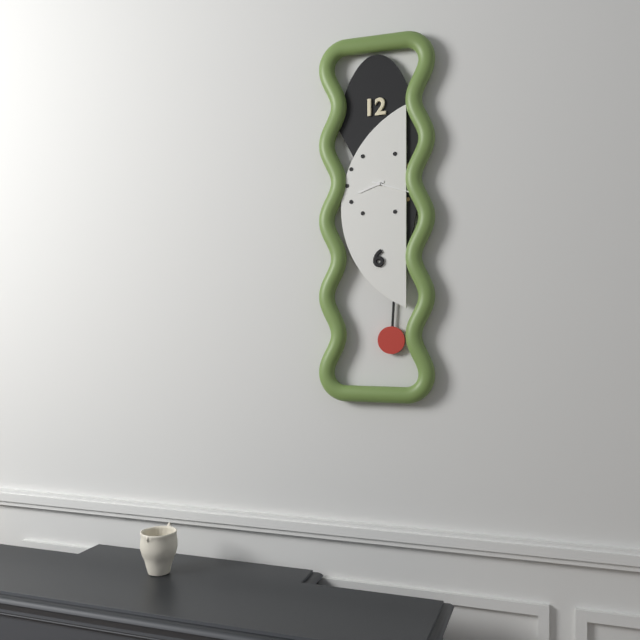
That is h=8 m=18
